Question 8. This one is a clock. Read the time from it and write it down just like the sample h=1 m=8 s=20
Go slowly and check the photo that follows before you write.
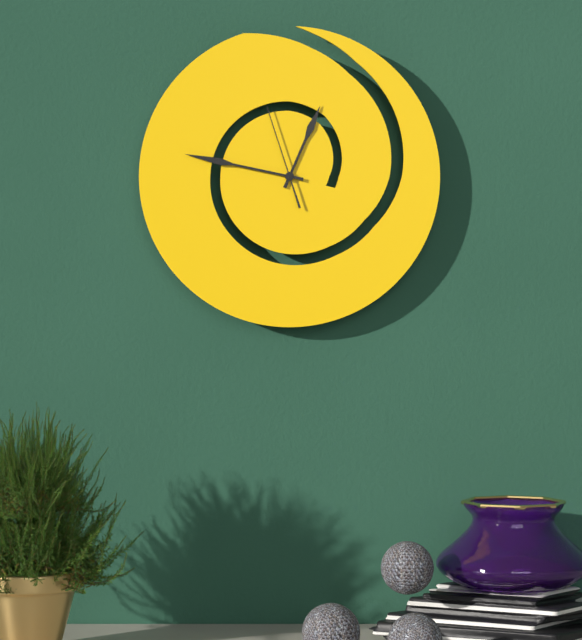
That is h=12 m=47 s=57
